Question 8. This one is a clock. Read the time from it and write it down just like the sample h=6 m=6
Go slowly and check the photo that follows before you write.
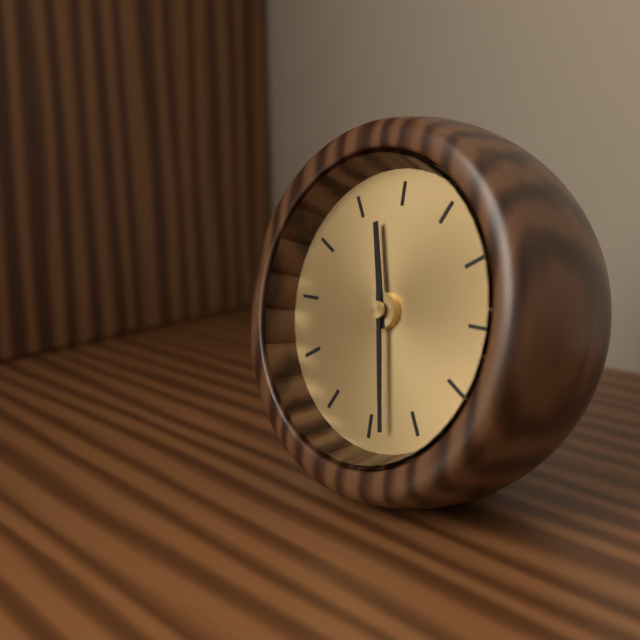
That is h=11 m=28
